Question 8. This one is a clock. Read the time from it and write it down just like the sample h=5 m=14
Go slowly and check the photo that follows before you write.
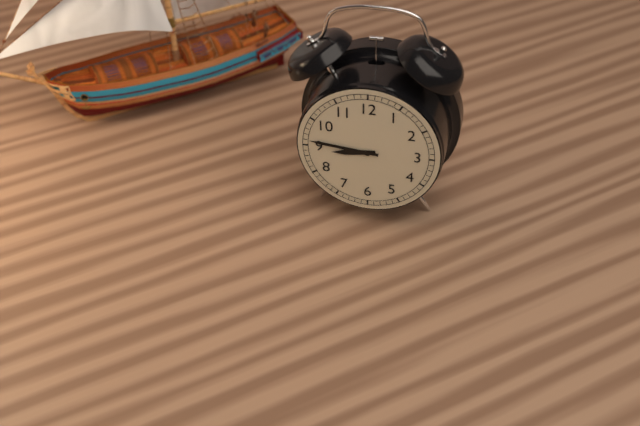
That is h=8 m=46
